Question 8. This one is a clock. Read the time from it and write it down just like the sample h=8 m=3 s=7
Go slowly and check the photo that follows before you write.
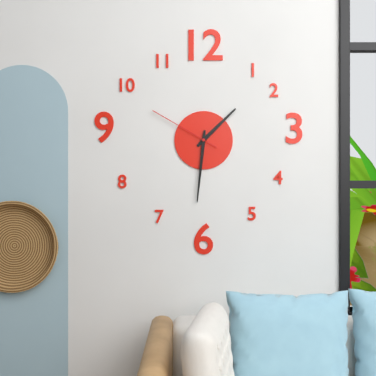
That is h=1 m=31 s=50
